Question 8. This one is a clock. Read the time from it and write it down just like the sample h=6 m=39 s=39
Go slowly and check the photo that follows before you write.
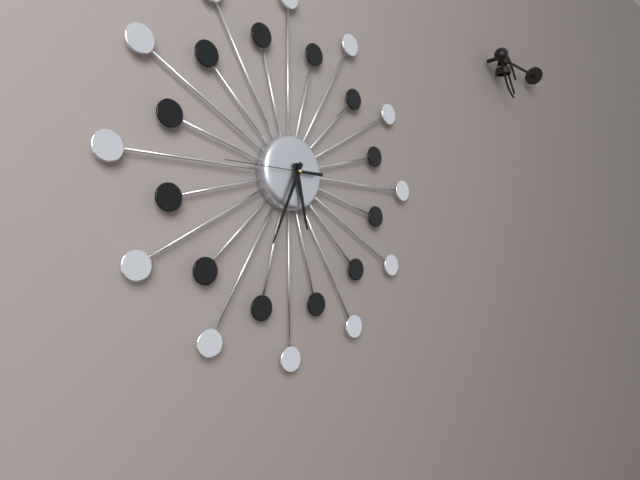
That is h=5 m=34 s=45
